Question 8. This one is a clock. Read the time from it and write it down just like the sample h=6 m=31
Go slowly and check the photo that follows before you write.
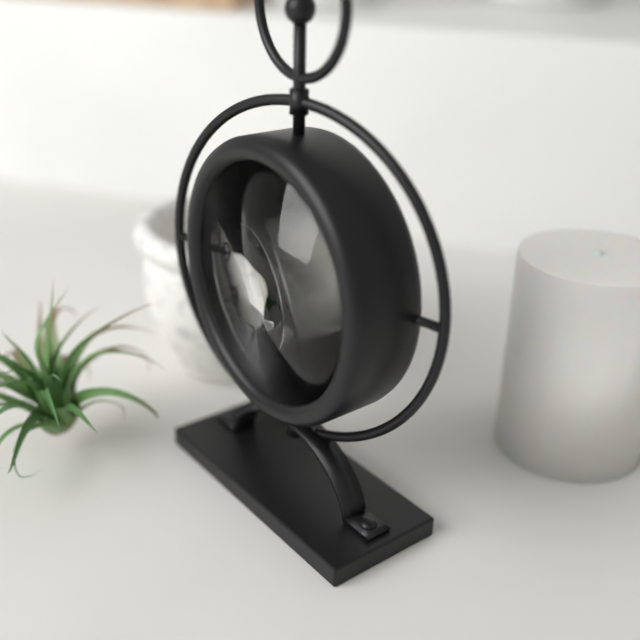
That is h=2 m=57
